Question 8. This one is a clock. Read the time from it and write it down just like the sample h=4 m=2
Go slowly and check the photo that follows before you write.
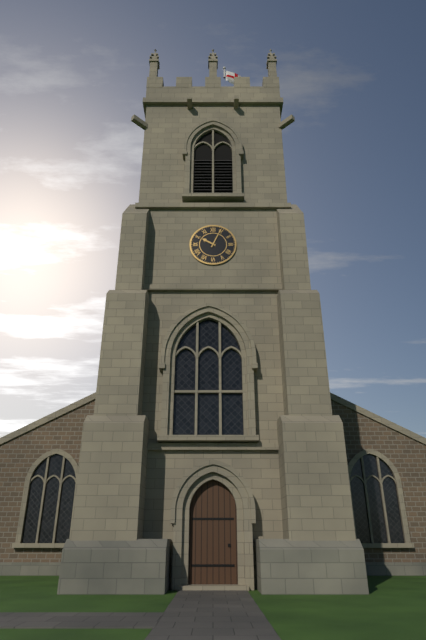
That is h=10 m=4
